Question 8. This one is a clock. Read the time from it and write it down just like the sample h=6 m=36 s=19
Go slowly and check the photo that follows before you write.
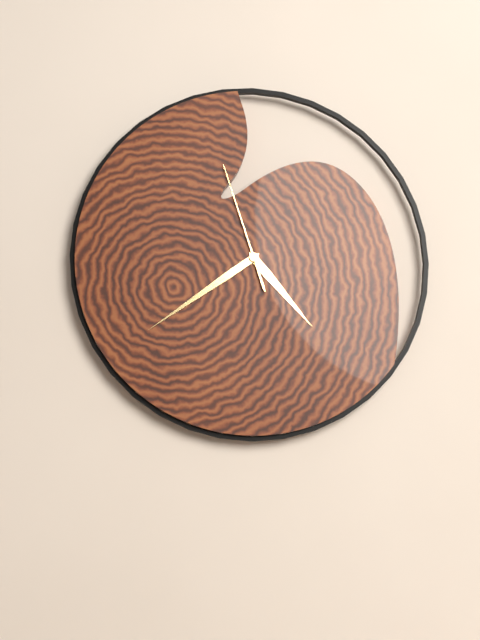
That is h=4 m=39 s=57
